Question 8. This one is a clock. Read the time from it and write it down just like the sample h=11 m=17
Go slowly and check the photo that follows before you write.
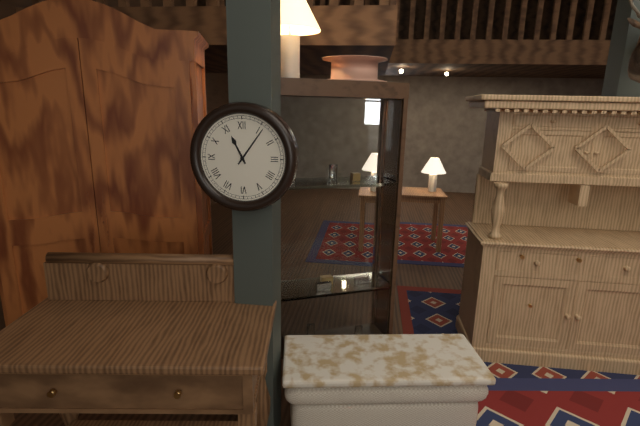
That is h=11 m=6
